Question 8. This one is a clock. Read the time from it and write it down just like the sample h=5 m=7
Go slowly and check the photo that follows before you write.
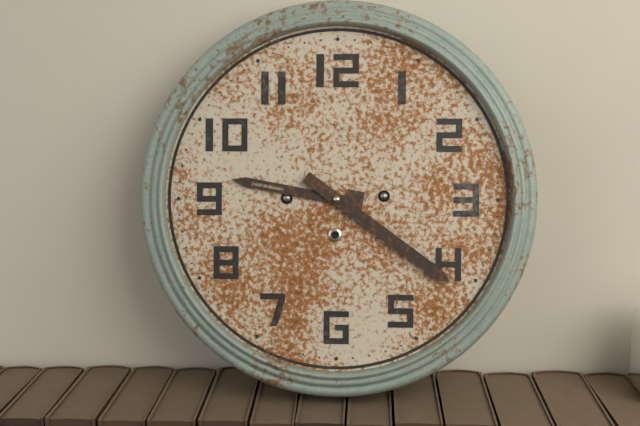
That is h=9 m=21
